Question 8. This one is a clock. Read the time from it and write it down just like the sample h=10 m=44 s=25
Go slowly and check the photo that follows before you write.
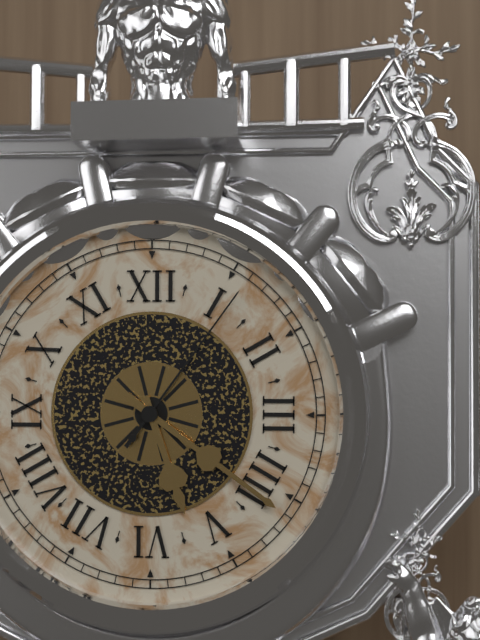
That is h=5 m=21 s=6
